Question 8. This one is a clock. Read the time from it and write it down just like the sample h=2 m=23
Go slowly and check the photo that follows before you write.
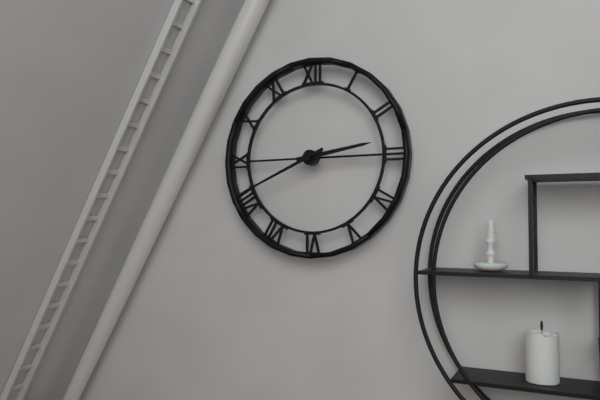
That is h=2 m=41
